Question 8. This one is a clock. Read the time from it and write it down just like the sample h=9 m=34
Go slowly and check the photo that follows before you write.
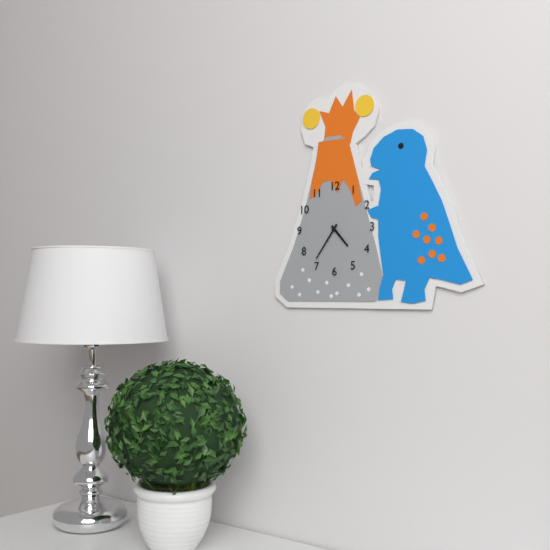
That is h=4 m=36
